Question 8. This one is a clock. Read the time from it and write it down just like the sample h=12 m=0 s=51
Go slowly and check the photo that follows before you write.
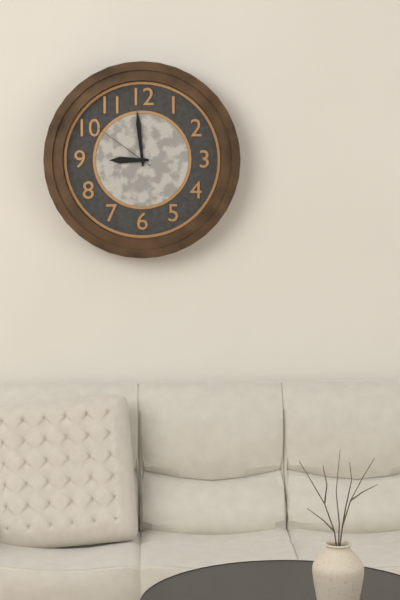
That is h=8 m=59 s=51
